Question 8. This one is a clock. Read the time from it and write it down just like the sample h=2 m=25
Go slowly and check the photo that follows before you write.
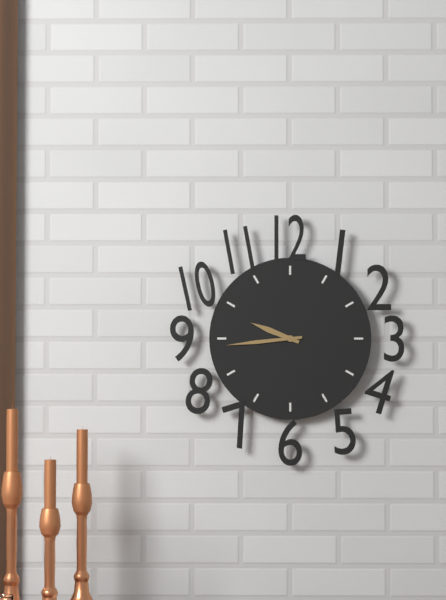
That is h=9 m=44
